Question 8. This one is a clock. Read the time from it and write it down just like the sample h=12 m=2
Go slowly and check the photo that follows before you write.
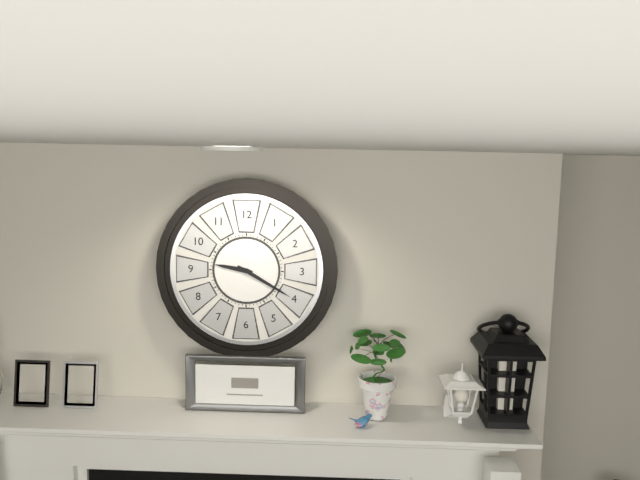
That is h=9 m=20
